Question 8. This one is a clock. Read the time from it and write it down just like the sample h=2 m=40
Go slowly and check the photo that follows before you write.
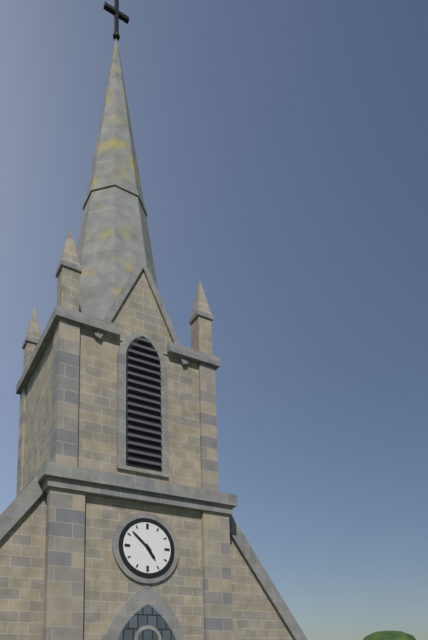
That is h=4 m=52
